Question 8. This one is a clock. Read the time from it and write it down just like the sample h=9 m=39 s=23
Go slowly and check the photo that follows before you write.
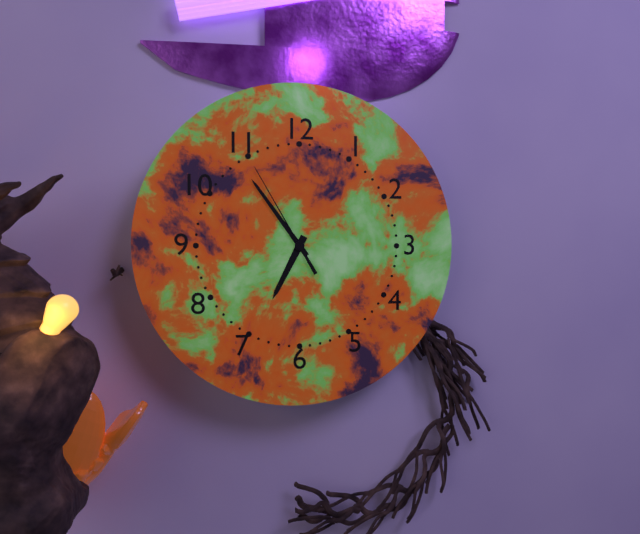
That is h=6 m=54 s=55
